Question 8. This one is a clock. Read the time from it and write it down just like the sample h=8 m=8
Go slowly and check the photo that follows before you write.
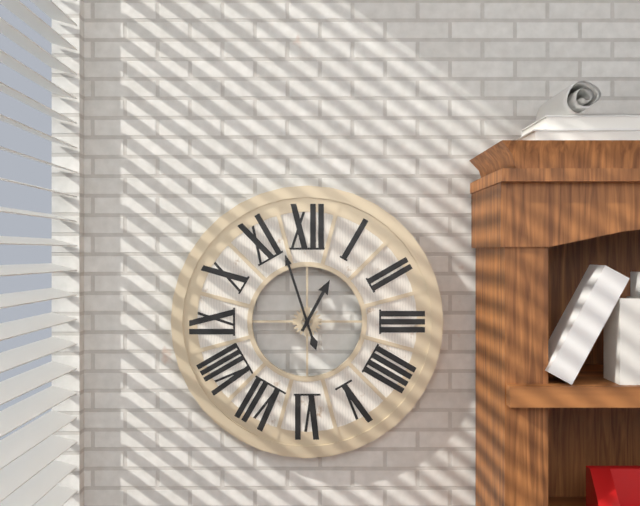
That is h=12 m=57
